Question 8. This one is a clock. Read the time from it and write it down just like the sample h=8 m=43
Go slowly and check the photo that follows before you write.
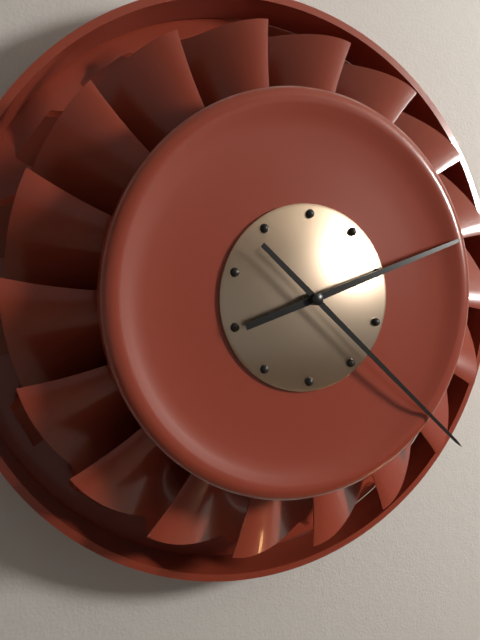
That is h=2 m=22
